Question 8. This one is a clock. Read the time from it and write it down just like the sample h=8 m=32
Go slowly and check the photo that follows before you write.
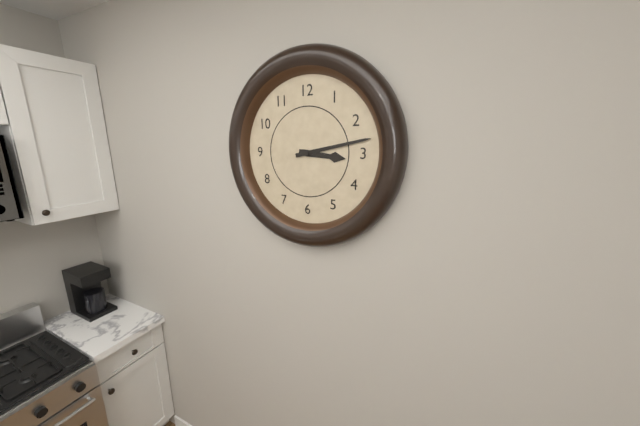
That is h=3 m=13
